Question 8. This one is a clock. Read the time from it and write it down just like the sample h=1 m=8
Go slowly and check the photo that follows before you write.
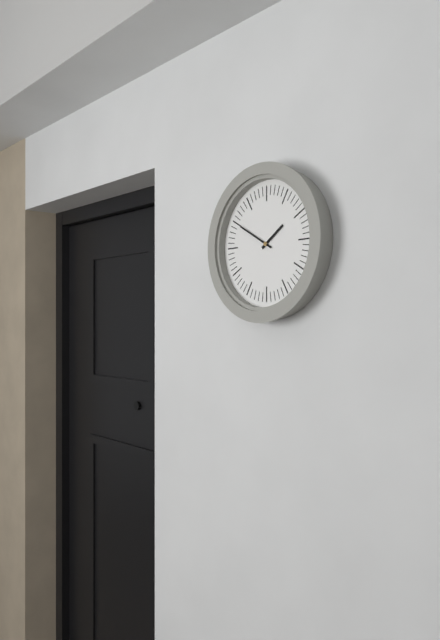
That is h=1 m=50
